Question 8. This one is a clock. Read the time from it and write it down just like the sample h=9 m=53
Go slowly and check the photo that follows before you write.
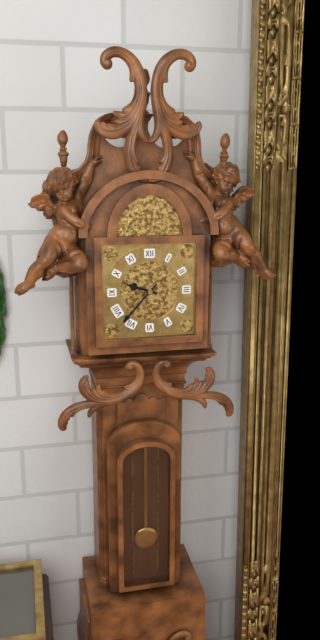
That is h=9 m=37
